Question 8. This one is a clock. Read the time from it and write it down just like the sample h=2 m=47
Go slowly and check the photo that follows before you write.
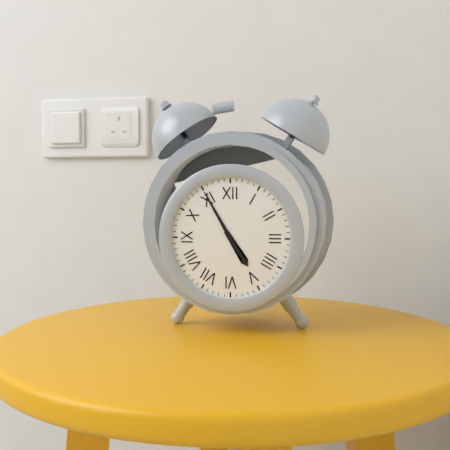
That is h=4 m=55
